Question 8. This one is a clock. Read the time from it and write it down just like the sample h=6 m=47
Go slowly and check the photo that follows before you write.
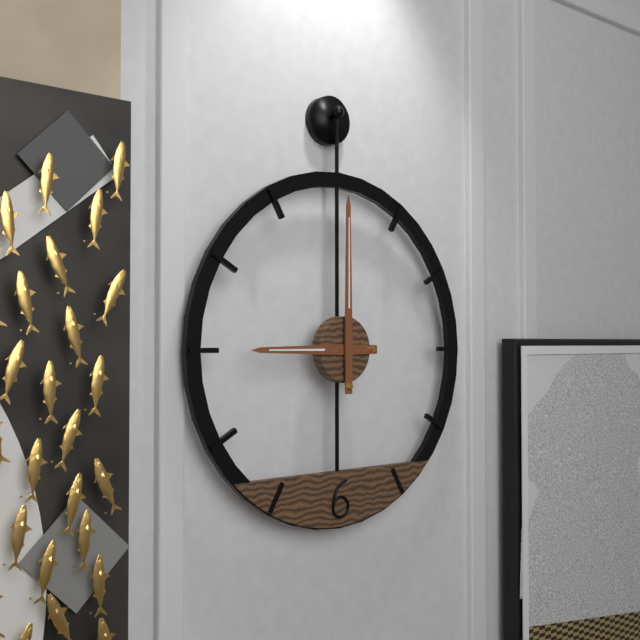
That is h=9 m=0
